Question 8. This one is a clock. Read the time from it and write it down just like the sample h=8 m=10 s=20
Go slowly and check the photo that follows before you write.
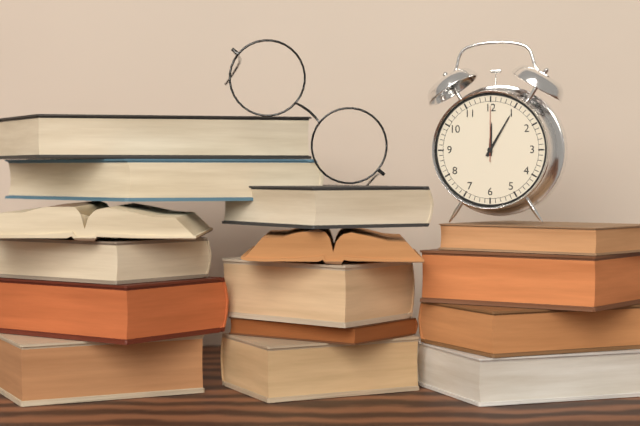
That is h=12 m=5 s=0
